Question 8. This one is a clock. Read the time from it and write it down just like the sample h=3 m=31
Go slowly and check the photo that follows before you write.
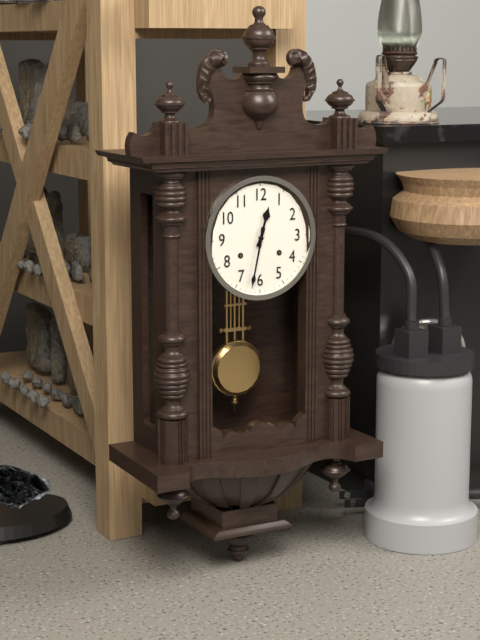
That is h=12 m=32
